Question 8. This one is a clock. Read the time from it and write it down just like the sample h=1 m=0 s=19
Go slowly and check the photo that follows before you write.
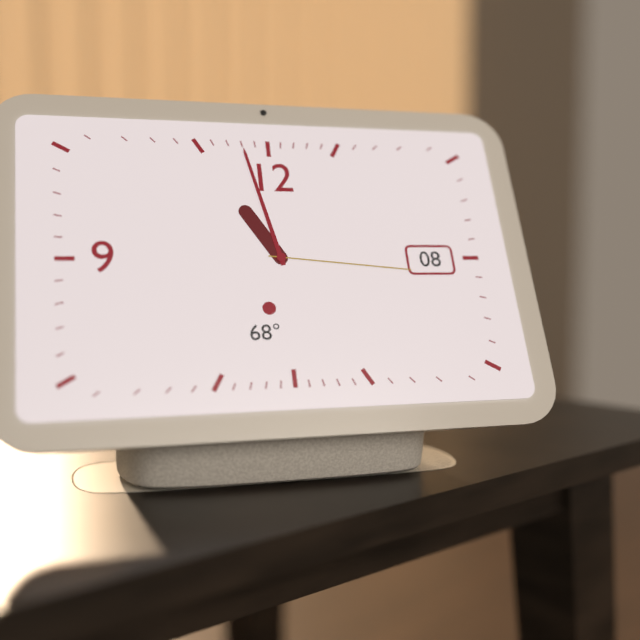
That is h=10 m=58 s=16
